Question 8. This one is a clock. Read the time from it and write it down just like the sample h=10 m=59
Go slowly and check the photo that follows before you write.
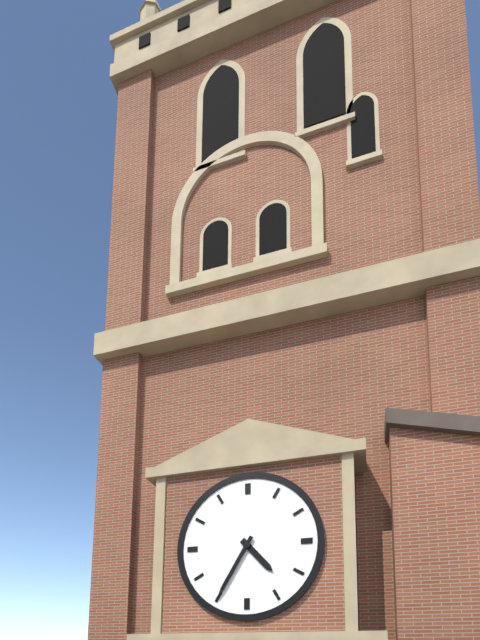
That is h=4 m=35
